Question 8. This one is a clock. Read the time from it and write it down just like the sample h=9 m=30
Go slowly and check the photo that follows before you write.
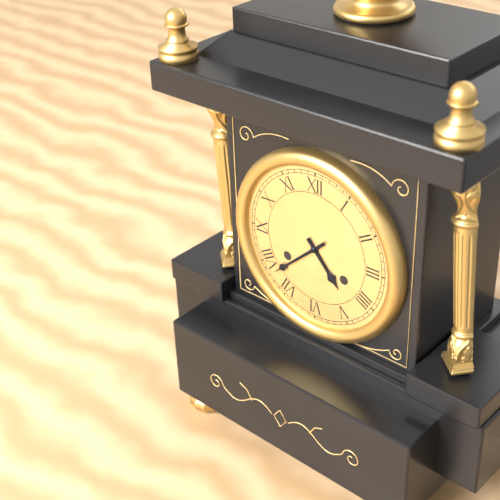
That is h=4 m=38
